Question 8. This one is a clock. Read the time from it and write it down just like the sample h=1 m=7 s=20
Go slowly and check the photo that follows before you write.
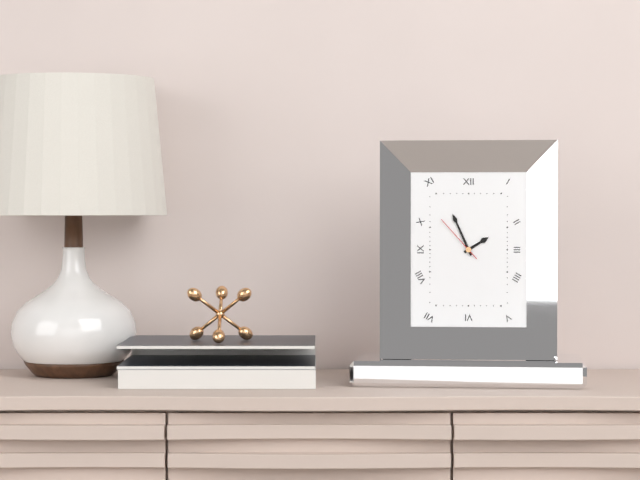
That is h=1 m=56 s=53
